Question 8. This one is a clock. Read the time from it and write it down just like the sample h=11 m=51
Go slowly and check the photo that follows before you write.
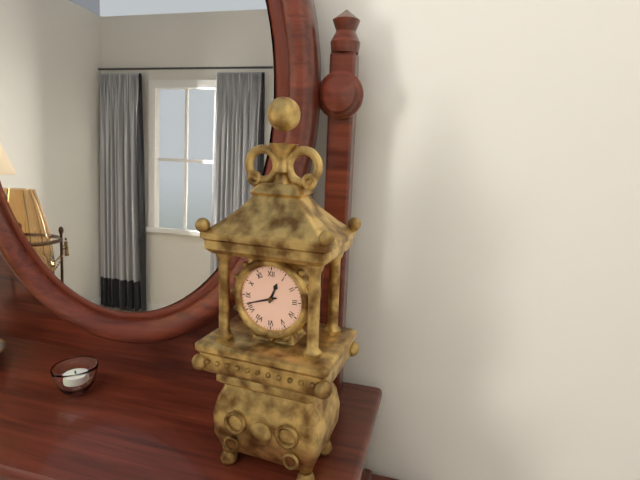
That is h=12 m=42
